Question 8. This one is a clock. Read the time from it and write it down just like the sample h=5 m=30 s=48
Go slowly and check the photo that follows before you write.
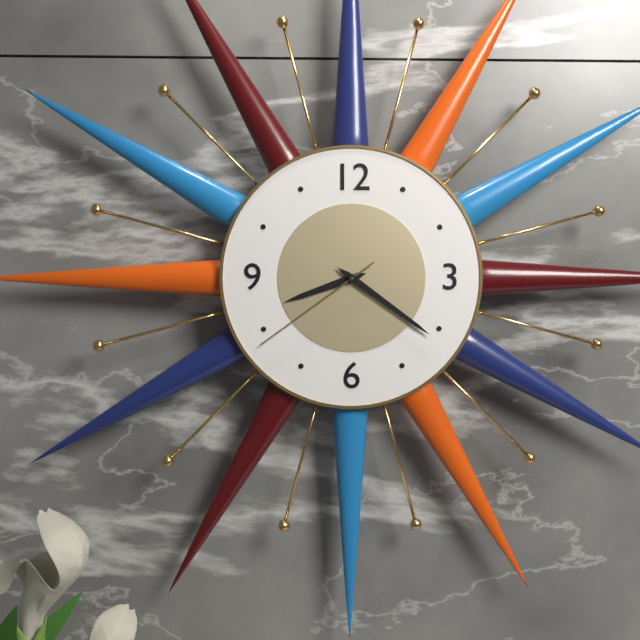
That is h=8 m=21 s=39
